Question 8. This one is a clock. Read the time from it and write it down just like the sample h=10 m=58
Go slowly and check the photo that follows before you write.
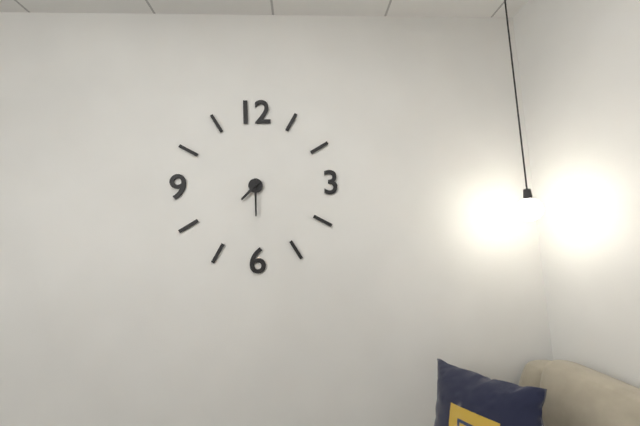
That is h=7 m=30
